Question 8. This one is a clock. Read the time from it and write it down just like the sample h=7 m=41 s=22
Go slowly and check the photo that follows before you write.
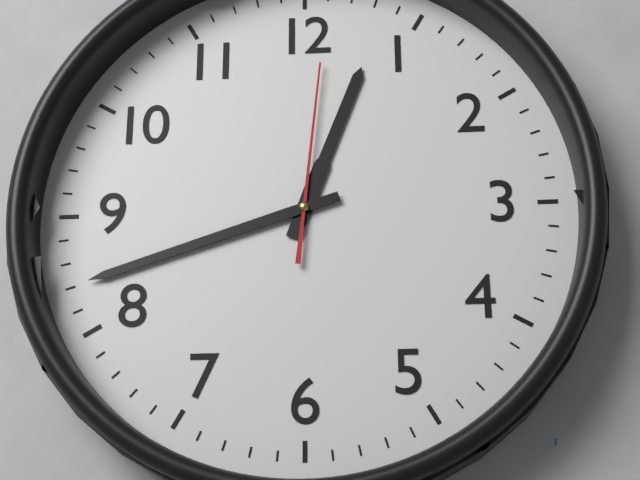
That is h=12 m=42 s=1
